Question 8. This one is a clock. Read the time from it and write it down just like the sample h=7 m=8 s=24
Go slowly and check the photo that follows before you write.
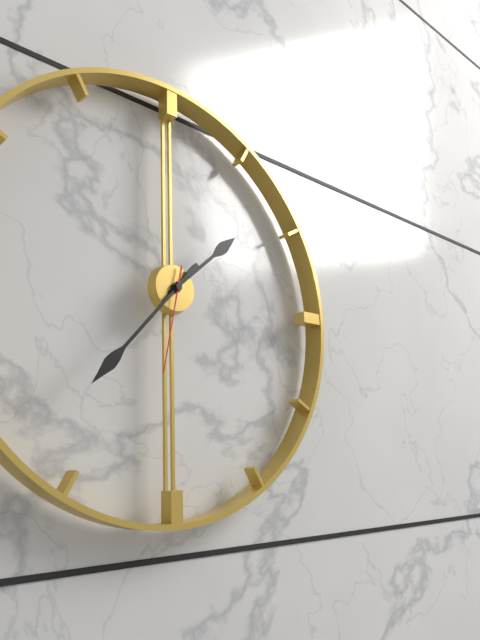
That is h=1 m=37 s=32
